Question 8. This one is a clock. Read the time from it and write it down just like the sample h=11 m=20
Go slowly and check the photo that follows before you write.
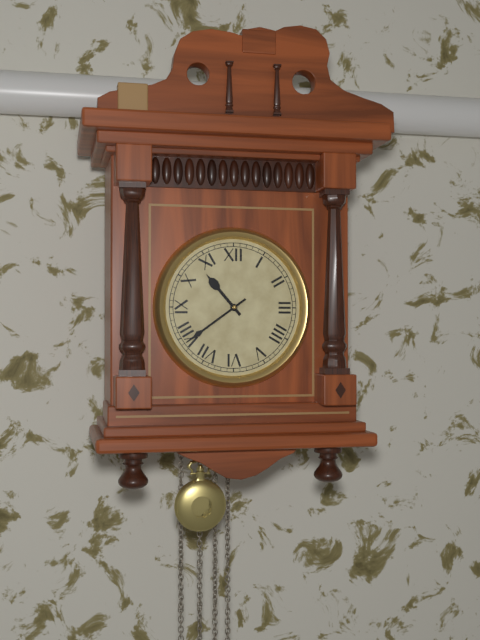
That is h=10 m=39
